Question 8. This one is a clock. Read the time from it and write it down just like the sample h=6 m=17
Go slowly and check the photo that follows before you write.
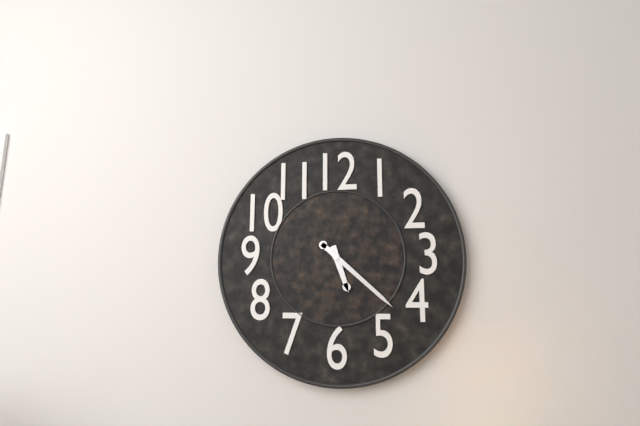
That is h=5 m=22
